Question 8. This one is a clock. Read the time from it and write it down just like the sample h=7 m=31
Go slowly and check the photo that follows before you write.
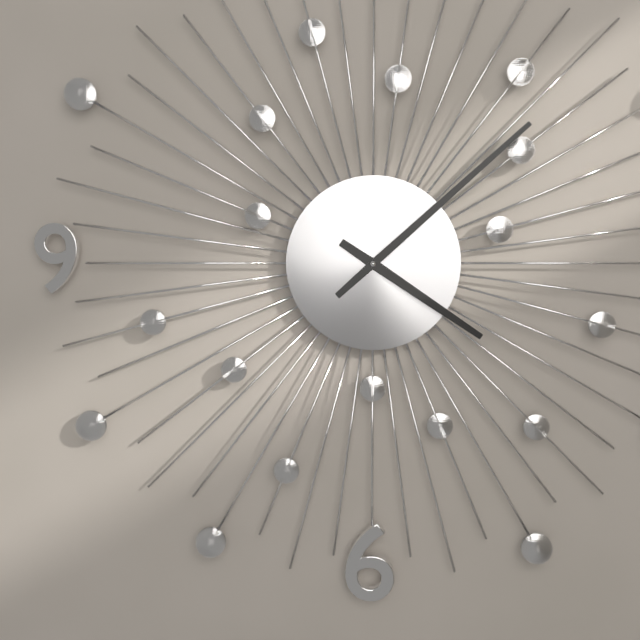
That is h=4 m=8
